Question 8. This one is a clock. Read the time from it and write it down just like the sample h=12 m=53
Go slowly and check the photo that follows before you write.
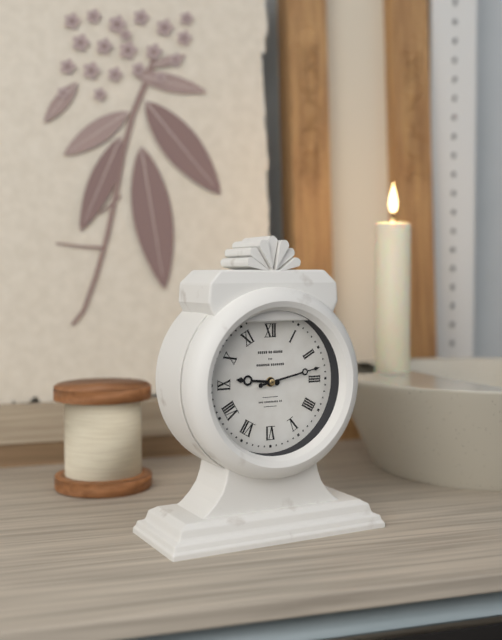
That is h=9 m=13
